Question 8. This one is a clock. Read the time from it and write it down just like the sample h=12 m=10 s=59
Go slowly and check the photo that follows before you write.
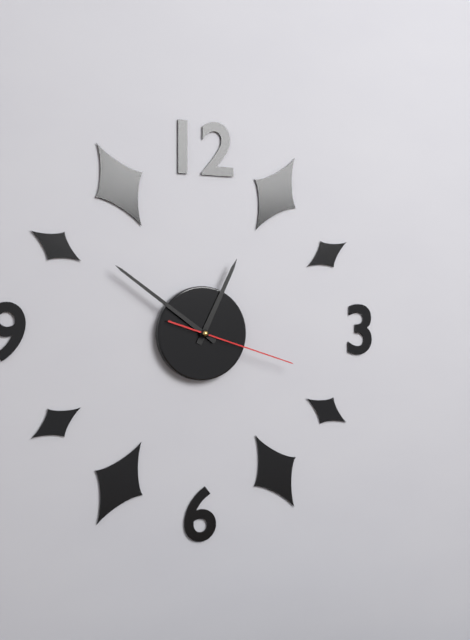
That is h=12 m=51 s=18
